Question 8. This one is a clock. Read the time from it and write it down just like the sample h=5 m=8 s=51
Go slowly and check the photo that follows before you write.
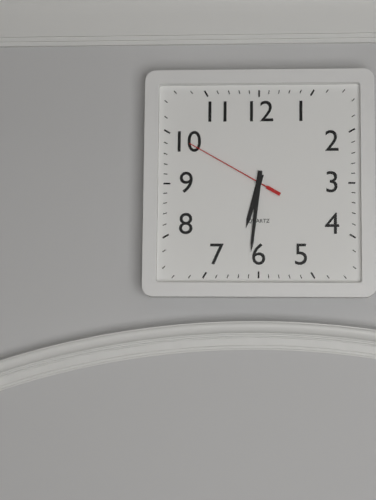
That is h=6 m=31 s=50
